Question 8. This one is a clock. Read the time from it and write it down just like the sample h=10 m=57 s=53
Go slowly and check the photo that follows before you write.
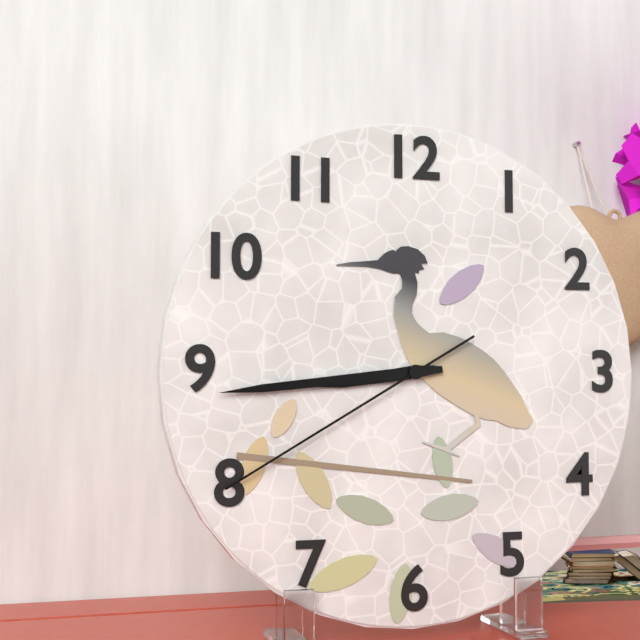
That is h=8 m=44 s=40
